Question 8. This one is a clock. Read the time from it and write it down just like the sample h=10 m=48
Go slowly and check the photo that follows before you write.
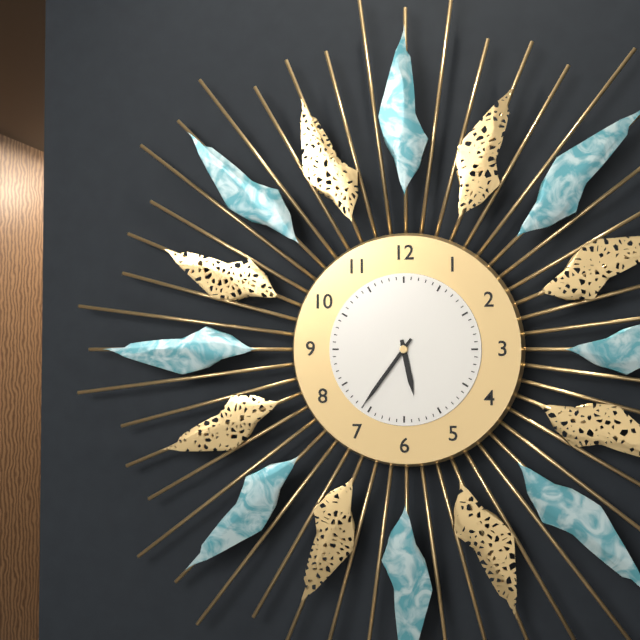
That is h=5 m=36
